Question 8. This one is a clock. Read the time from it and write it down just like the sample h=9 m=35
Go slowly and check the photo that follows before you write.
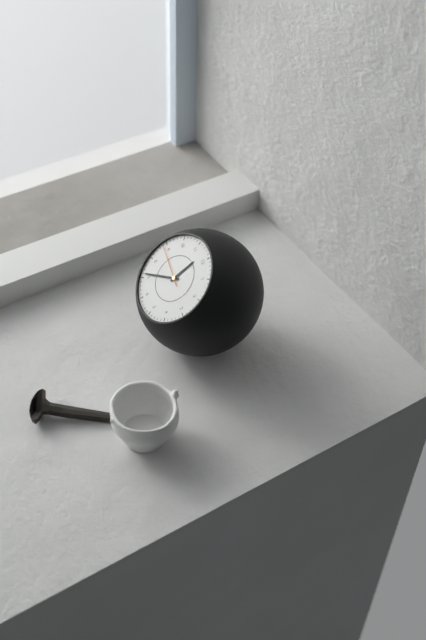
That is h=11 m=36
